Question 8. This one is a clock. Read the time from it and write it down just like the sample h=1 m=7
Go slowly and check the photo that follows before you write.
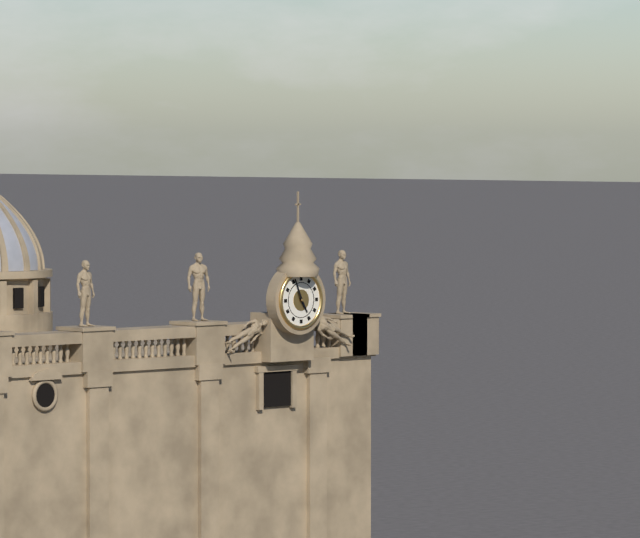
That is h=4 m=56
